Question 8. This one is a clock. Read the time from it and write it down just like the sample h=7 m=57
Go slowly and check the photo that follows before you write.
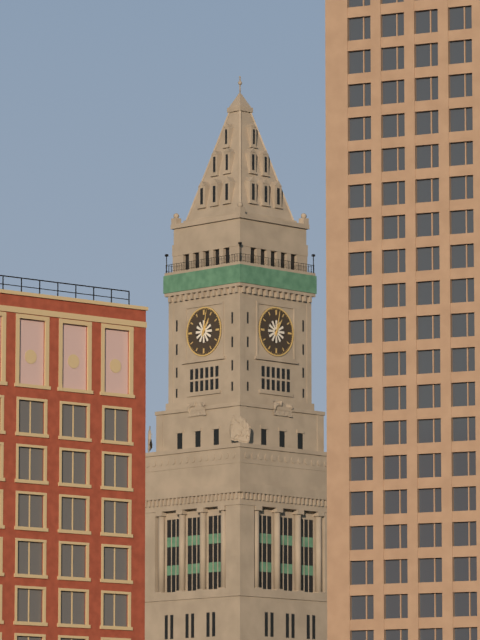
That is h=1 m=2
